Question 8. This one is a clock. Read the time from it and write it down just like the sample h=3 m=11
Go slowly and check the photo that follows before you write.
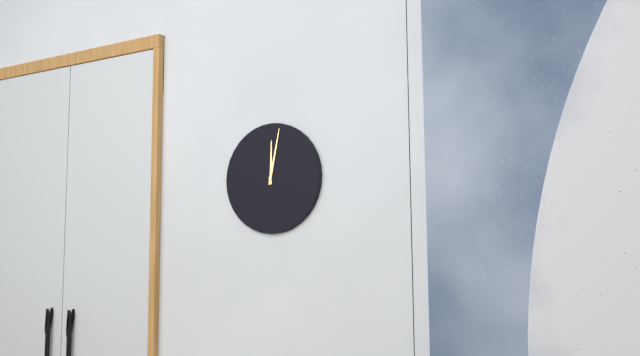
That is h=12 m=2
